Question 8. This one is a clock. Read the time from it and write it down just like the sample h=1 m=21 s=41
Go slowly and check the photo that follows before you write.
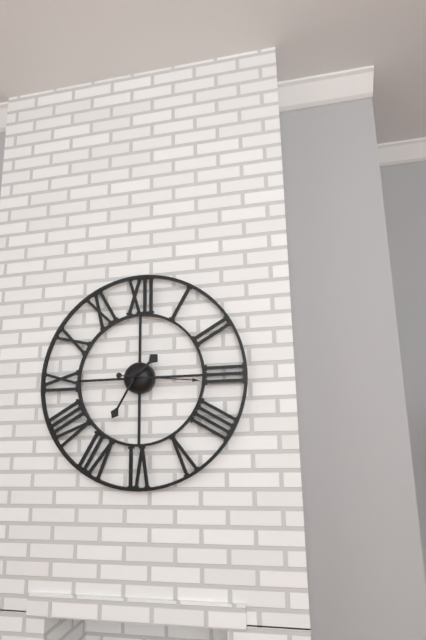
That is h=1 m=35 s=16
